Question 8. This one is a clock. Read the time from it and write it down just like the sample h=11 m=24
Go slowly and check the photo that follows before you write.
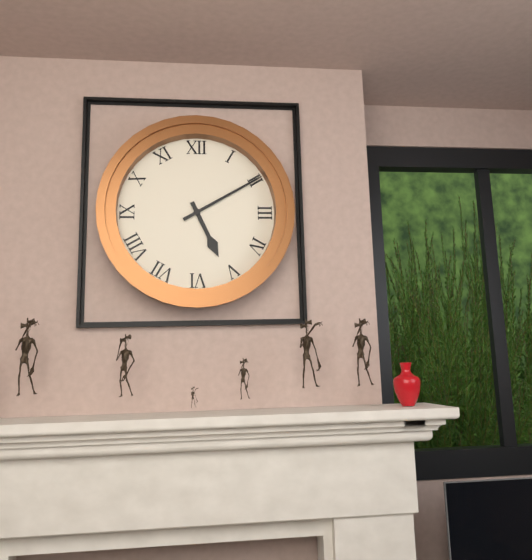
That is h=5 m=10
